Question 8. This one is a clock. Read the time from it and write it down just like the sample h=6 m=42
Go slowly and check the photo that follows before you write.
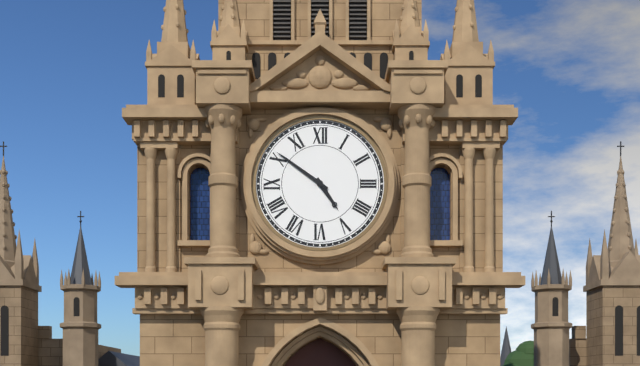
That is h=4 m=51
